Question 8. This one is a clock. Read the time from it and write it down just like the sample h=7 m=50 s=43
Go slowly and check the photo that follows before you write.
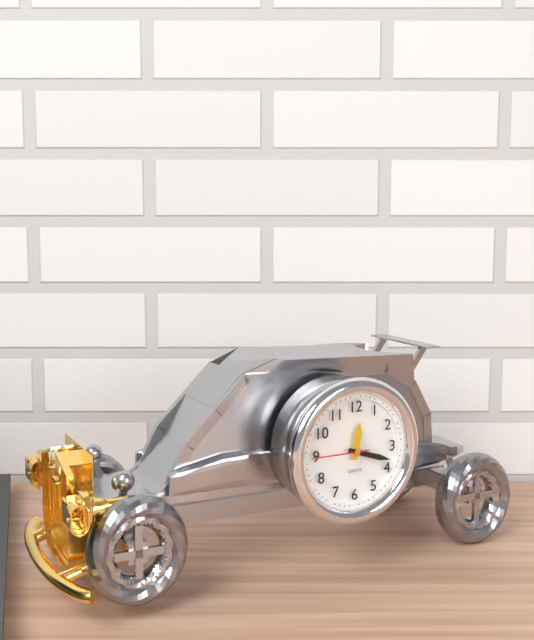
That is h=12 m=18 s=45
